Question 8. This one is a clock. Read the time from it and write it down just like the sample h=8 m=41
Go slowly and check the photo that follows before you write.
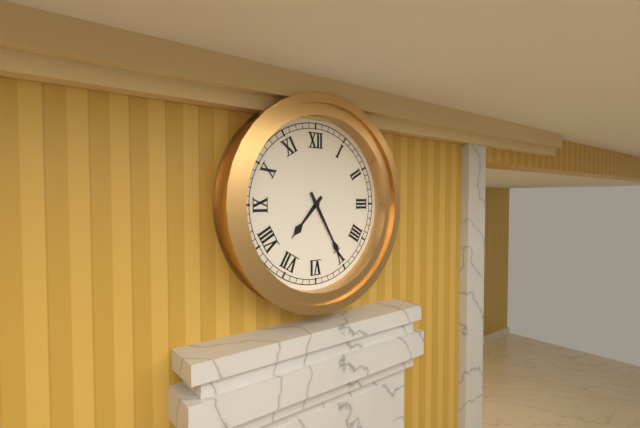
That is h=7 m=25
